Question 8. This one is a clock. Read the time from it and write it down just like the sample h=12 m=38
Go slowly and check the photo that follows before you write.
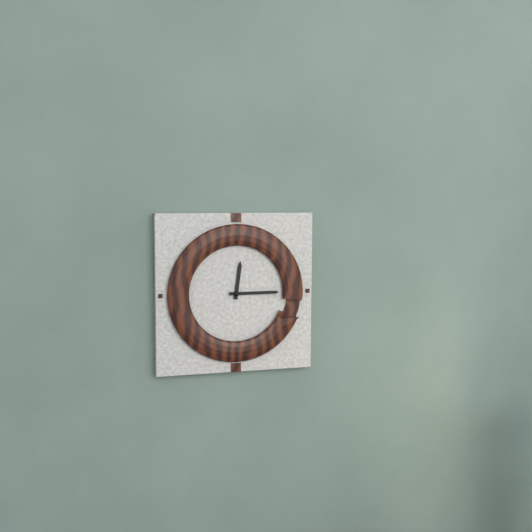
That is h=12 m=15
